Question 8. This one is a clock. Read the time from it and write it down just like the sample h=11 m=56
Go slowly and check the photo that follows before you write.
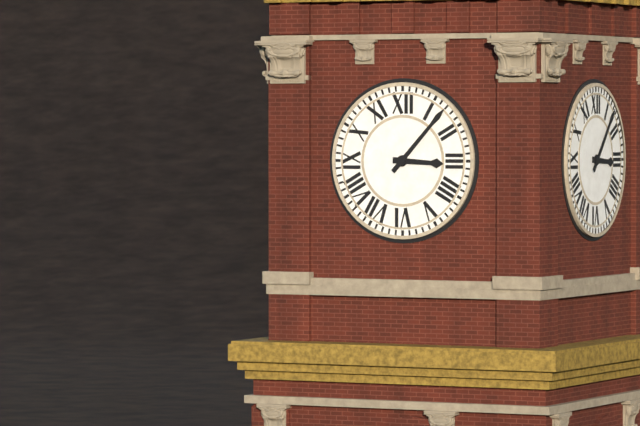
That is h=3 m=7
